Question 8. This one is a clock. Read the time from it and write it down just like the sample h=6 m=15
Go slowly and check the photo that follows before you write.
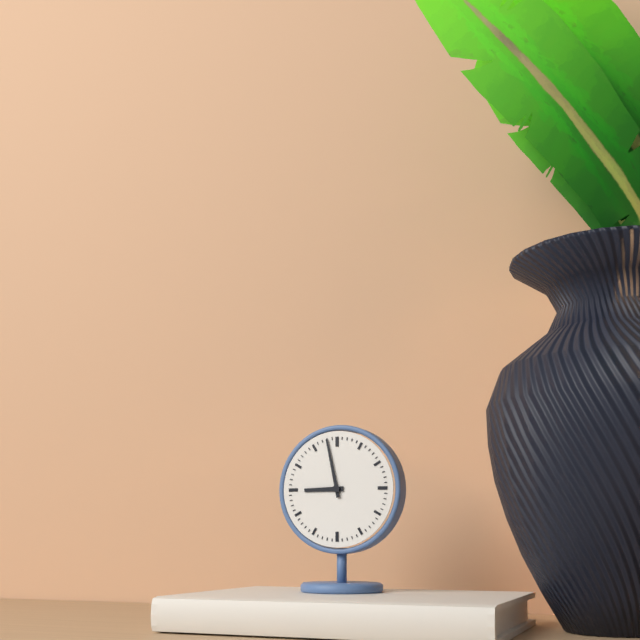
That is h=8 m=58
